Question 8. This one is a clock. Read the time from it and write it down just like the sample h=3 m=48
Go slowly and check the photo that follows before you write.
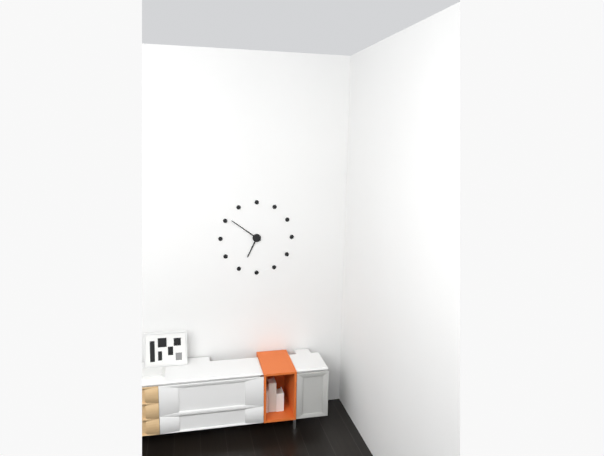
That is h=6 m=51
